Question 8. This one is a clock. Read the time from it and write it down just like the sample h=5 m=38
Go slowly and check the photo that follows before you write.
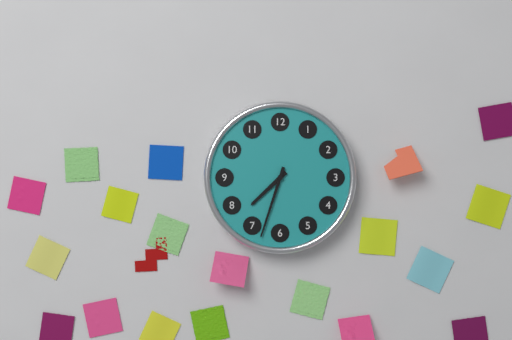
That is h=7 m=33
